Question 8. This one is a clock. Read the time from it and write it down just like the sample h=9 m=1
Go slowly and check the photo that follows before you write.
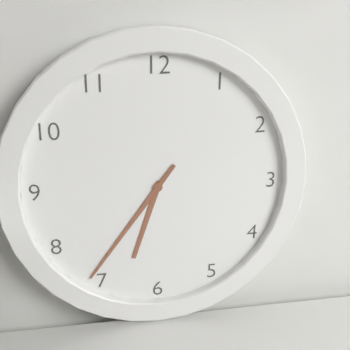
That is h=6 m=36
